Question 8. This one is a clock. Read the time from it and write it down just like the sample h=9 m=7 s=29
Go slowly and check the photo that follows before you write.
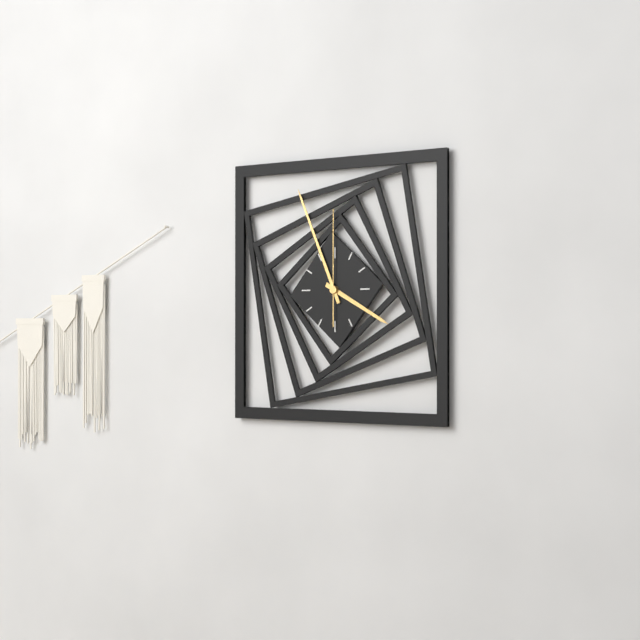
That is h=3 m=56 s=0
